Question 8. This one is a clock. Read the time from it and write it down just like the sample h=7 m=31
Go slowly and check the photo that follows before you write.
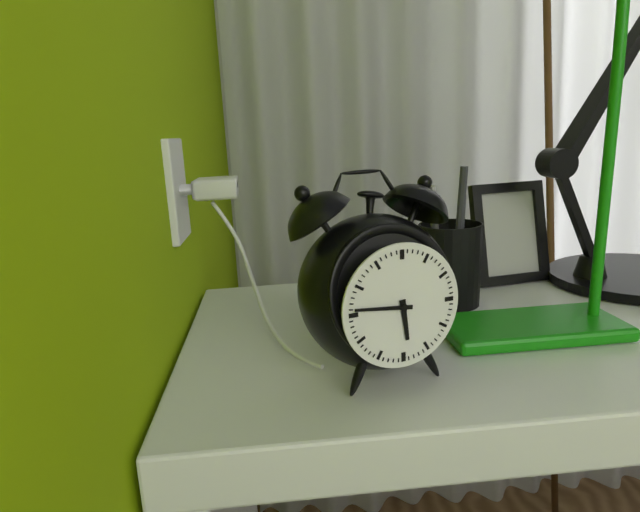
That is h=5 m=46
